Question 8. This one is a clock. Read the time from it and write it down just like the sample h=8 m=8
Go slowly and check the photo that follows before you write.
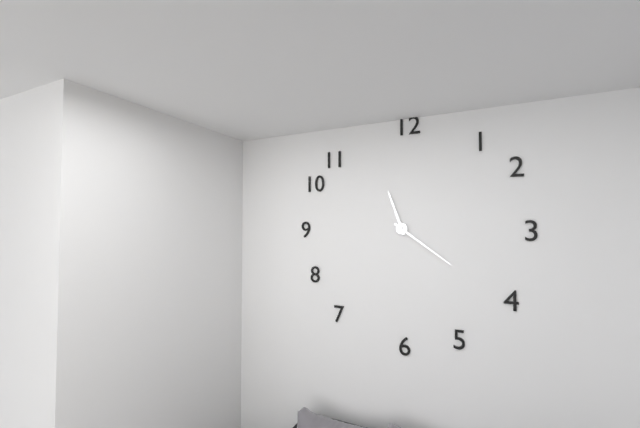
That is h=11 m=21
